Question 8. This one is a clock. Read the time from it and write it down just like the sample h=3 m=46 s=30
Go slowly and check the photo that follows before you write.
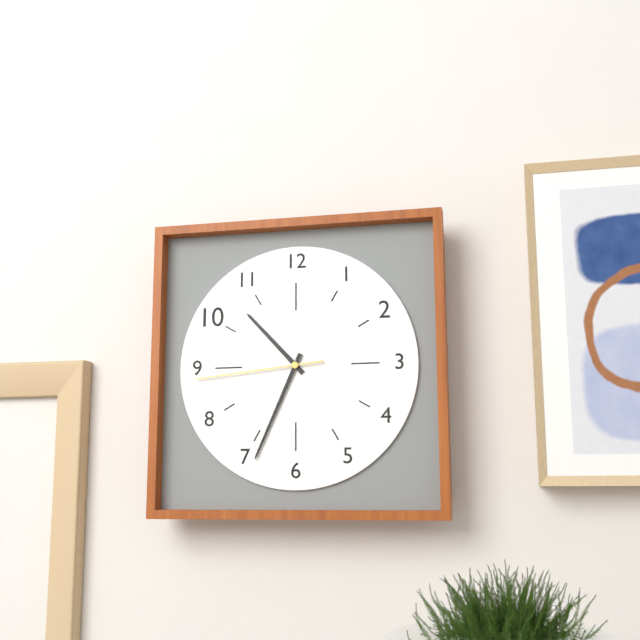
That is h=10 m=34 s=44
